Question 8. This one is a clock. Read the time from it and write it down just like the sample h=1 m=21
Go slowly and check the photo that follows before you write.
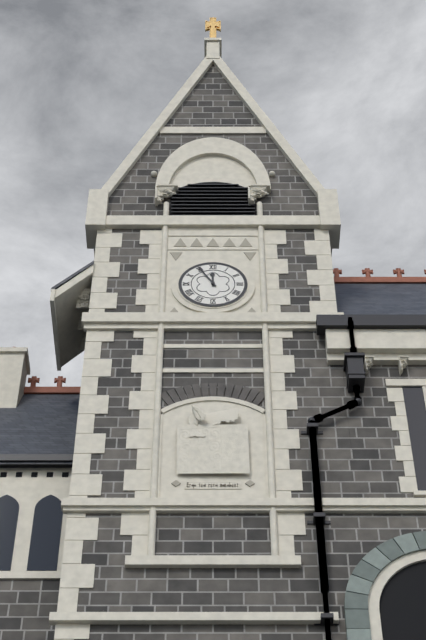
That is h=11 m=55
